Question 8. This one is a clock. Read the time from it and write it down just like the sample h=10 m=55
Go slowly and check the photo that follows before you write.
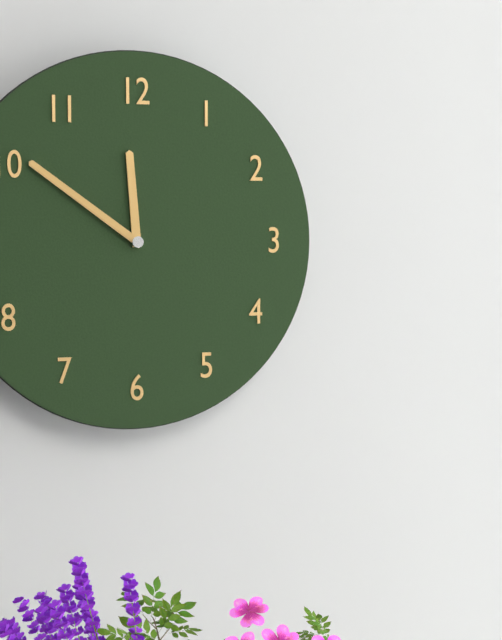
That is h=11 m=51
